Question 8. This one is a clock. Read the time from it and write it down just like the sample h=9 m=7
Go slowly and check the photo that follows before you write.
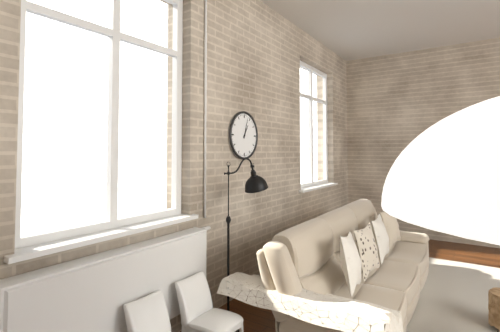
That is h=1 m=3
